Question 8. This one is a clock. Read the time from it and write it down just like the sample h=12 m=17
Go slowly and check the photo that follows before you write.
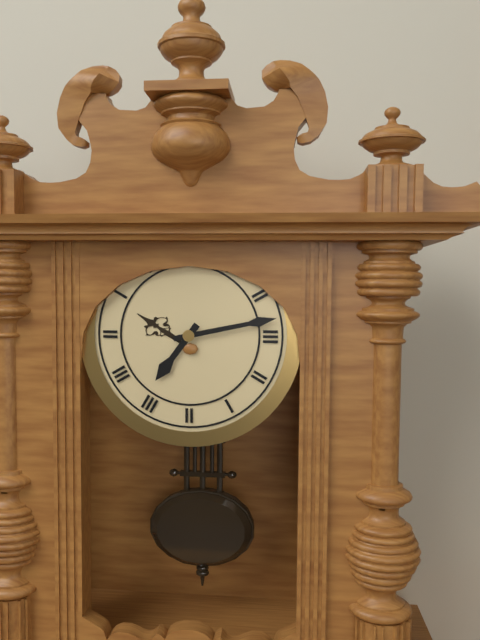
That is h=7 m=13
